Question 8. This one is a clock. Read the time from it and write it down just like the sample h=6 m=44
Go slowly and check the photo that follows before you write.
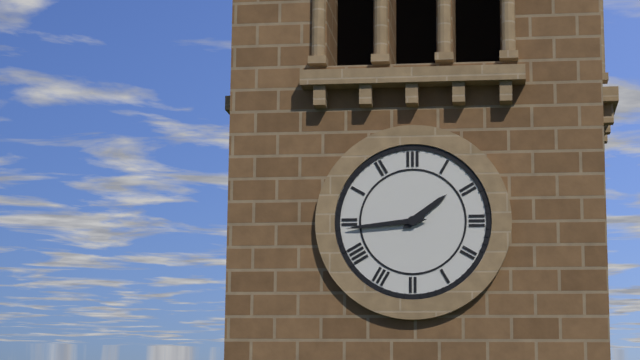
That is h=1 m=44
